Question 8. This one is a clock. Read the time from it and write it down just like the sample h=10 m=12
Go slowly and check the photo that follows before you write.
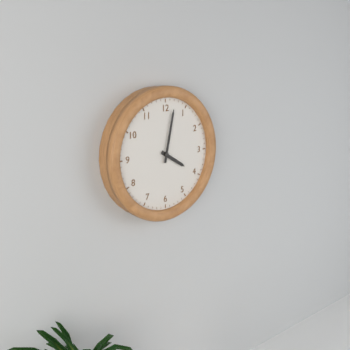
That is h=4 m=2
